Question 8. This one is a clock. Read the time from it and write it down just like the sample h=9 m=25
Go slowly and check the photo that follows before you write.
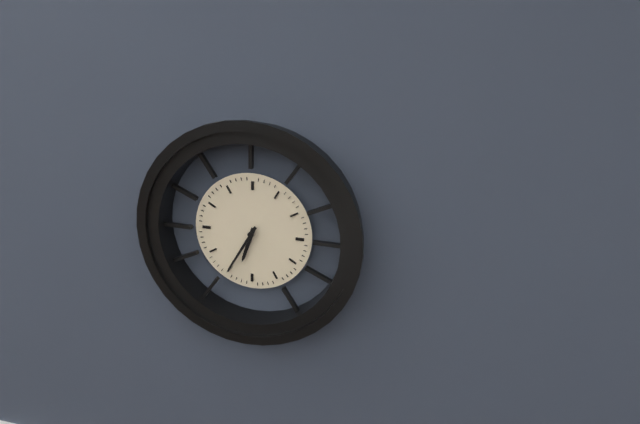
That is h=6 m=35
